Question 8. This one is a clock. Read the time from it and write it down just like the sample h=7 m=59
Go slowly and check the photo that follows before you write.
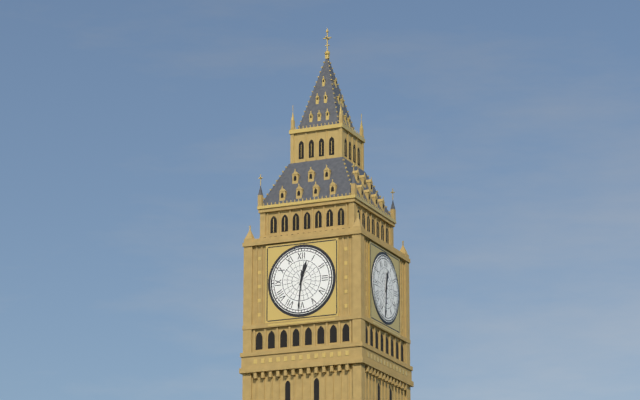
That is h=12 m=31
